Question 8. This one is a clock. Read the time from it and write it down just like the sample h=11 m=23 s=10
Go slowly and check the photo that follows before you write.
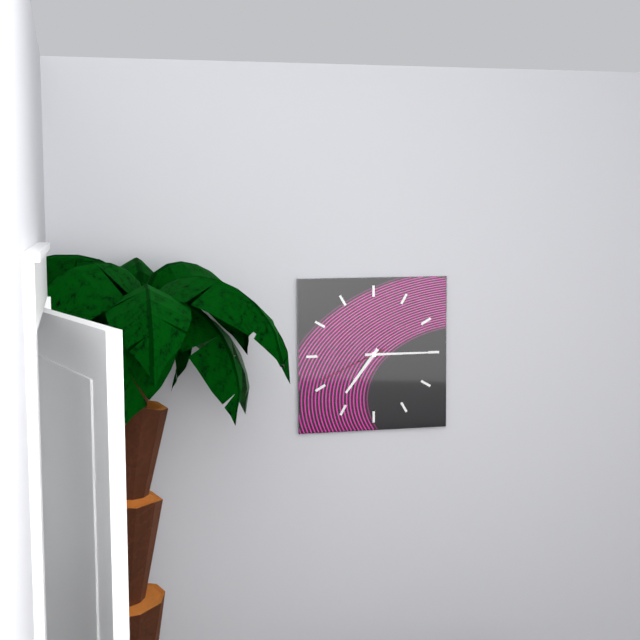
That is h=7 m=15 s=41
